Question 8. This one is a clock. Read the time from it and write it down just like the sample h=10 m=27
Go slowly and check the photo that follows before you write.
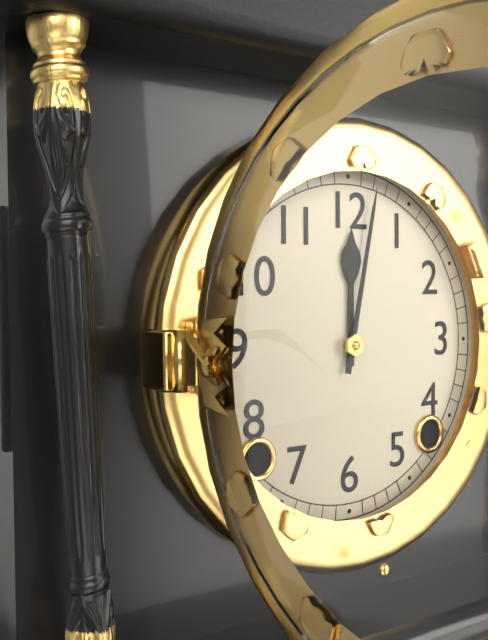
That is h=12 m=2
